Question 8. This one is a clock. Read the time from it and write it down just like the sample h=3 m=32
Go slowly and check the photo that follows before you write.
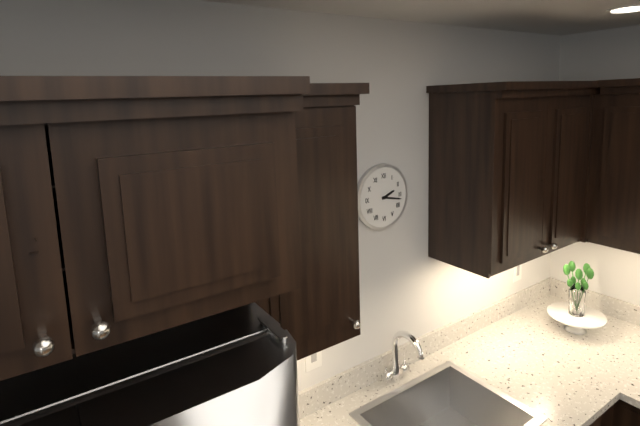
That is h=2 m=17
